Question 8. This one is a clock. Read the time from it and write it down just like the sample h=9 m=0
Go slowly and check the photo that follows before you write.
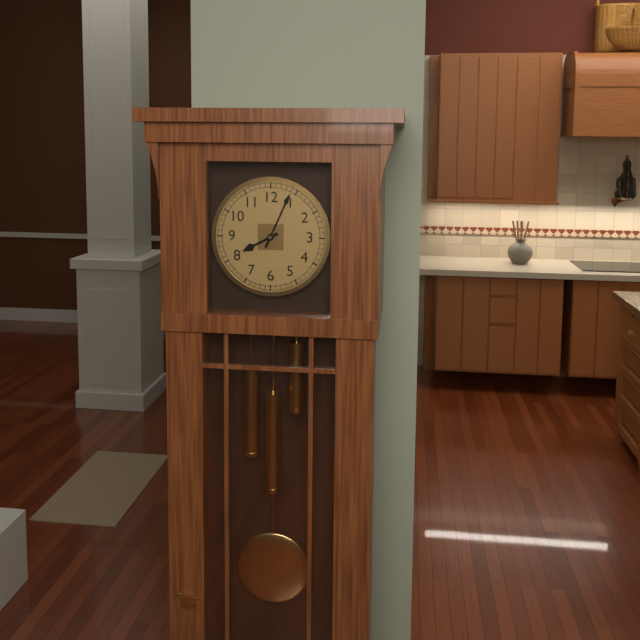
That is h=8 m=4
